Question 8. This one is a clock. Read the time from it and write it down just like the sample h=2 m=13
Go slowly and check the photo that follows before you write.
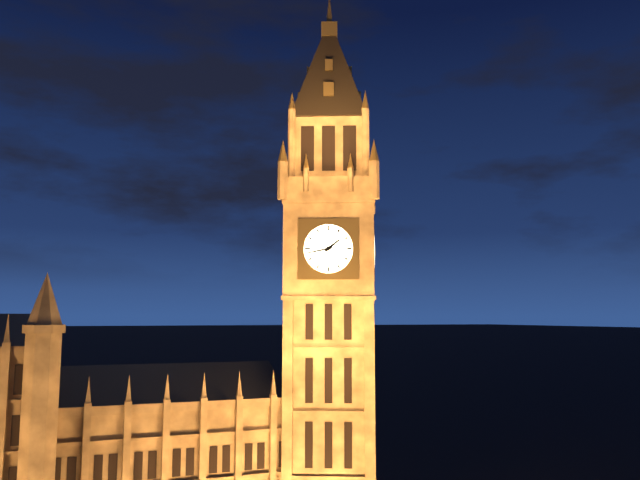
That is h=1 m=43
